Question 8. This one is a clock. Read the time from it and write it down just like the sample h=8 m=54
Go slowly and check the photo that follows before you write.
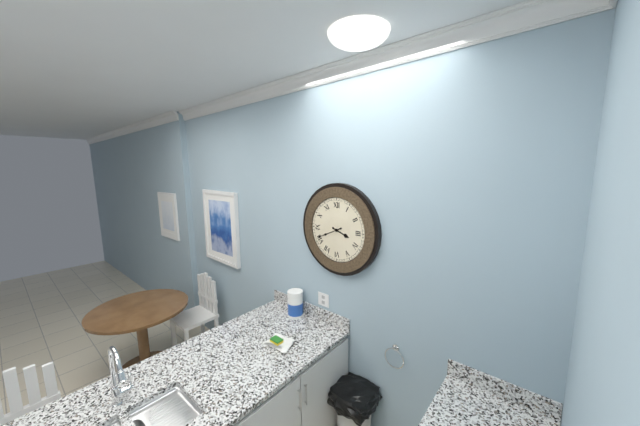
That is h=3 m=41
